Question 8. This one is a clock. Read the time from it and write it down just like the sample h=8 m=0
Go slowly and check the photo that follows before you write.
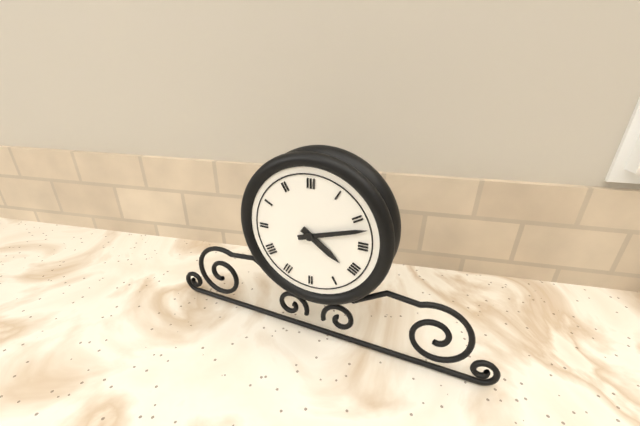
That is h=4 m=12
